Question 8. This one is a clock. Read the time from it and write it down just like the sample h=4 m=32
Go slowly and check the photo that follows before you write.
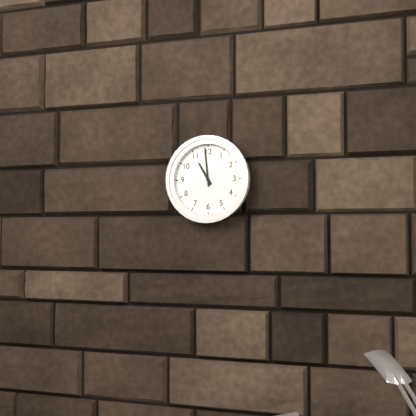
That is h=10 m=59
